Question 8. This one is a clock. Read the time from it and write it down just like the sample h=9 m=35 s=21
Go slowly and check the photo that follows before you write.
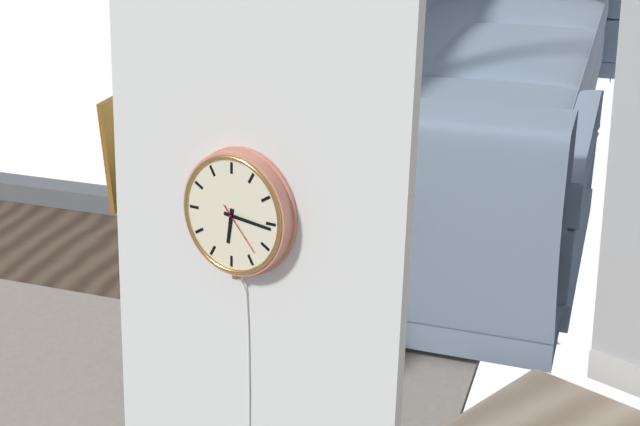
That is h=6 m=16 s=23
